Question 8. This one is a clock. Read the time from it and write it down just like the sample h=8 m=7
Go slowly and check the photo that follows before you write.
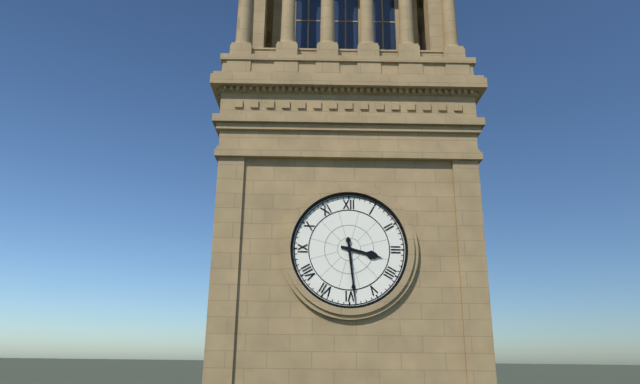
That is h=3 m=29
